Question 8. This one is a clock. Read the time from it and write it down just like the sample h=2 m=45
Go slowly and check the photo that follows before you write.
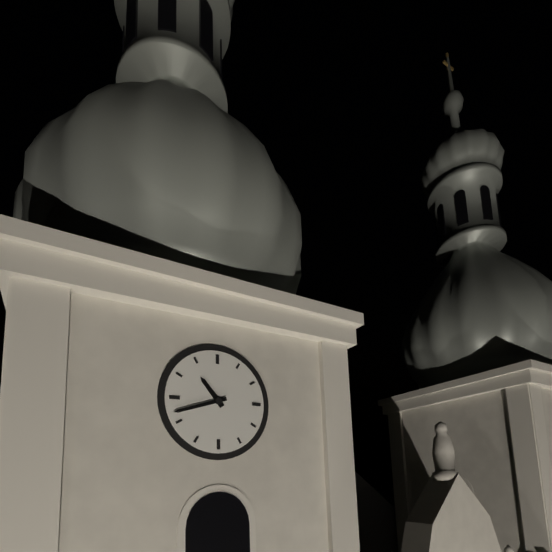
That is h=10 m=42
